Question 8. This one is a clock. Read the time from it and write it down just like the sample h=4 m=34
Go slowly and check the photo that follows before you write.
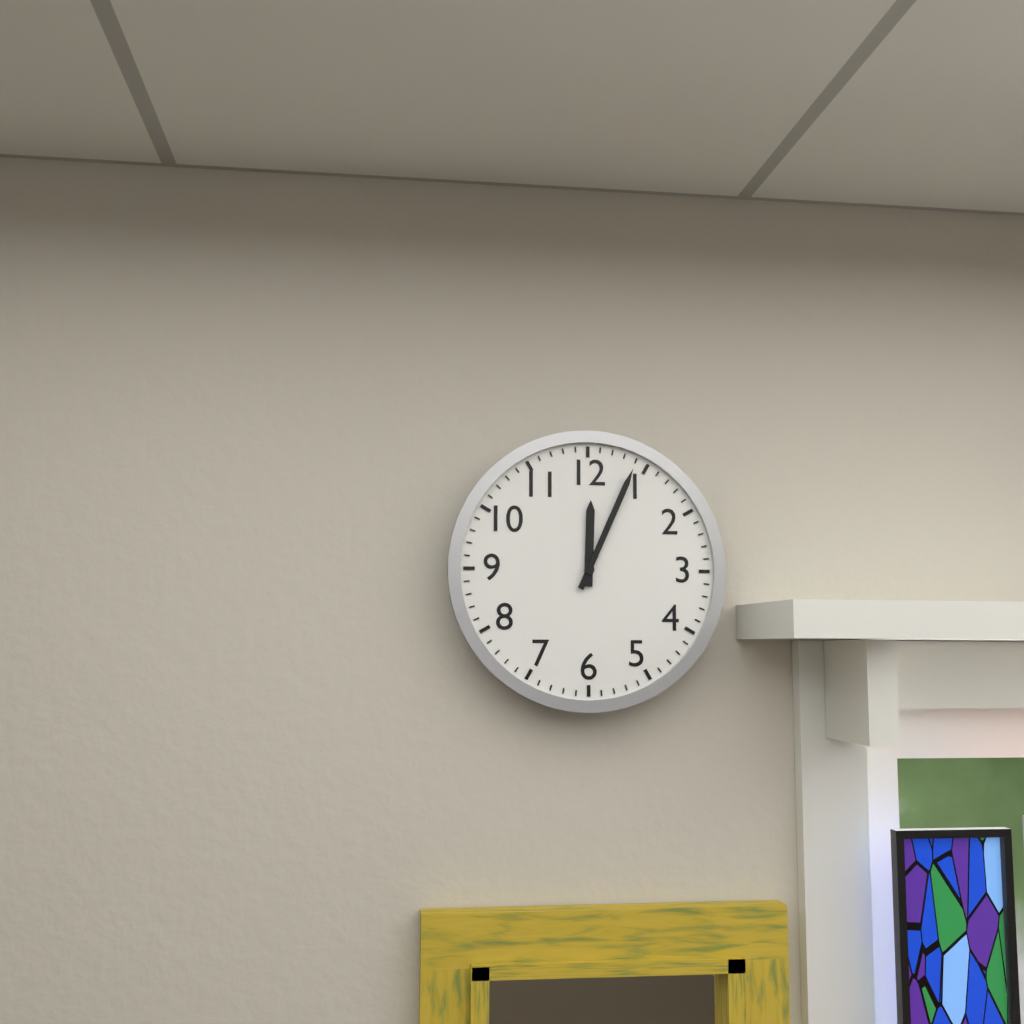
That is h=12 m=4
